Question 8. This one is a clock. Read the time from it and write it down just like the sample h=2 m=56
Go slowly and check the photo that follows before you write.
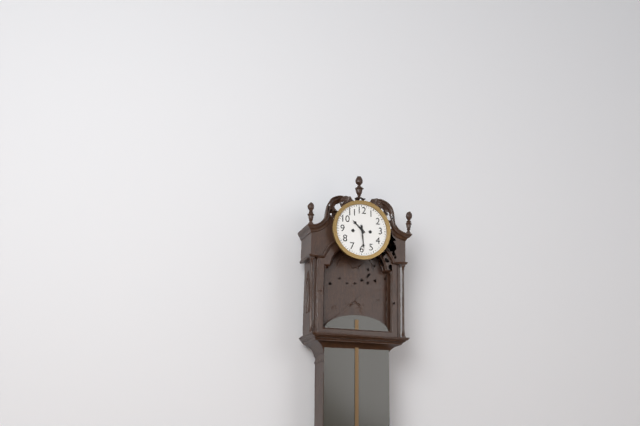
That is h=10 m=29
